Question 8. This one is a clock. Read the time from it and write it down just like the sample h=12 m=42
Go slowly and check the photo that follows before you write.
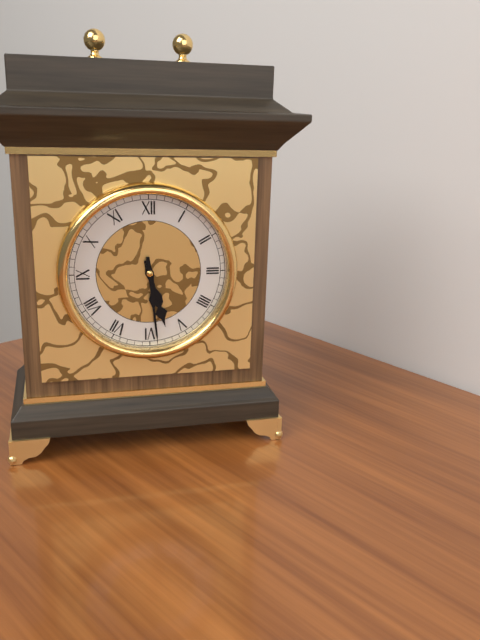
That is h=5 m=29
